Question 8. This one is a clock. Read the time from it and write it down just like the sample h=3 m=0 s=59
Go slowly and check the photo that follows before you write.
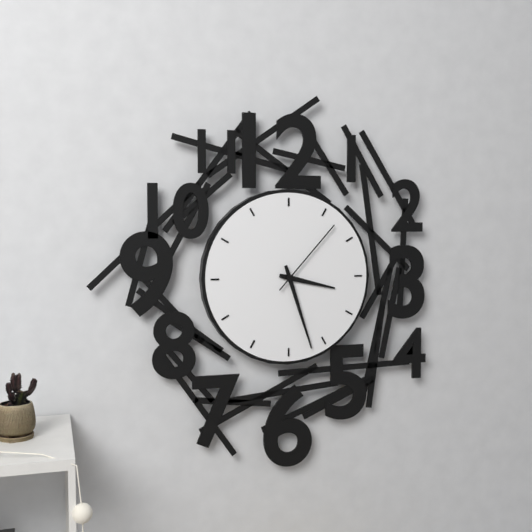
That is h=3 m=27 s=7
